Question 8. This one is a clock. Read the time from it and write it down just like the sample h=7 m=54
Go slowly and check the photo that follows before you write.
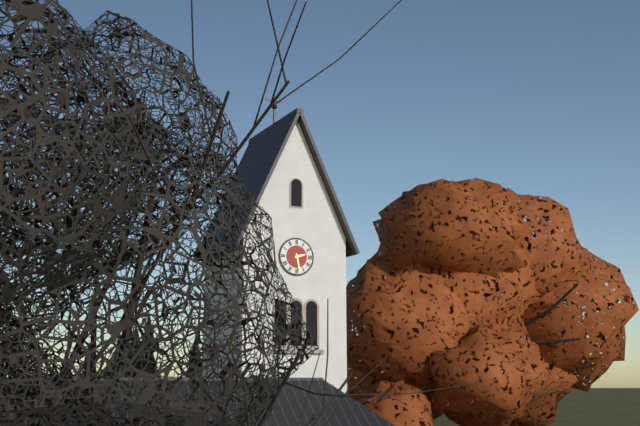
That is h=2 m=28
